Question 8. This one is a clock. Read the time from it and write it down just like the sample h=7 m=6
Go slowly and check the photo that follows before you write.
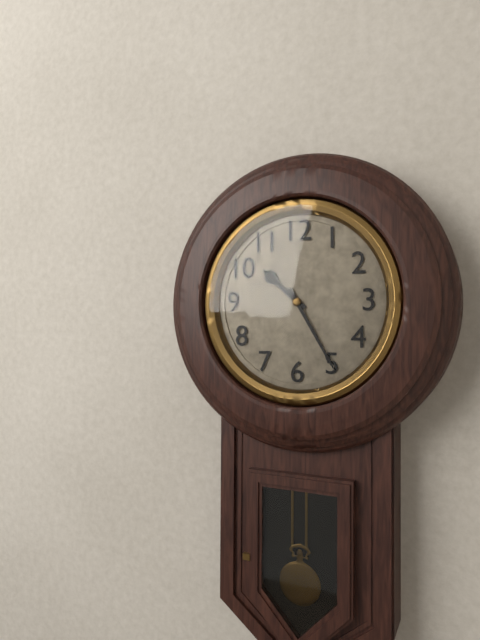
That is h=10 m=25
